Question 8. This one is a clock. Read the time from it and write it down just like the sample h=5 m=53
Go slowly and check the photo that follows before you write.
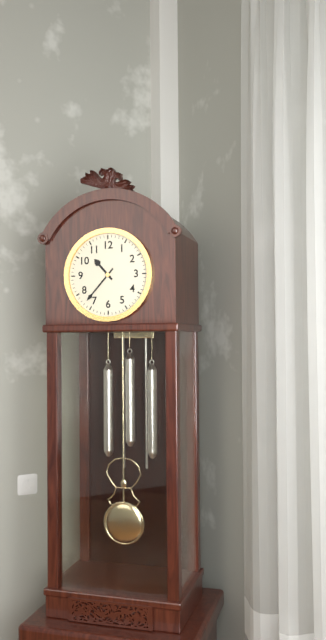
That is h=10 m=37
